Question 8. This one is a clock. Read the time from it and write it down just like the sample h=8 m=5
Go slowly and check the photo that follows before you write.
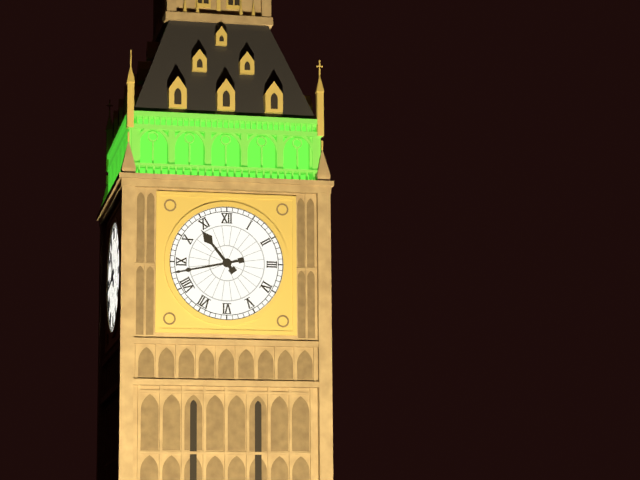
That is h=10 m=43
